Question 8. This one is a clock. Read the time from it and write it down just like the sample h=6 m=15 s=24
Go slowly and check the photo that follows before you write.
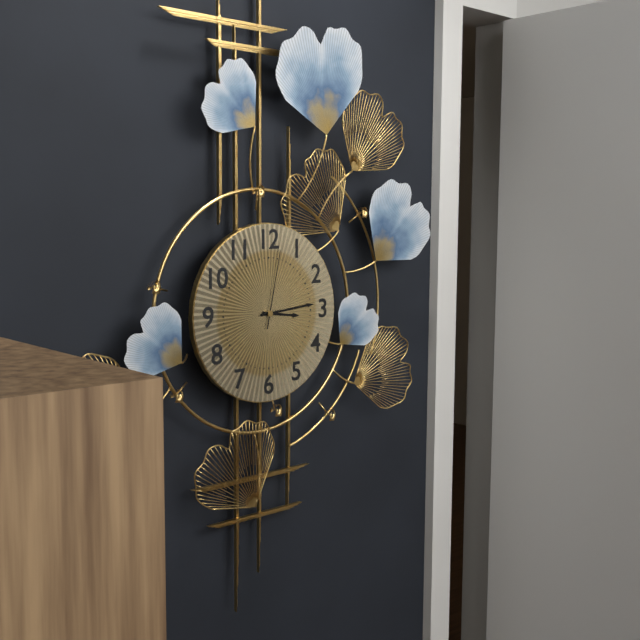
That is h=3 m=14 s=2
